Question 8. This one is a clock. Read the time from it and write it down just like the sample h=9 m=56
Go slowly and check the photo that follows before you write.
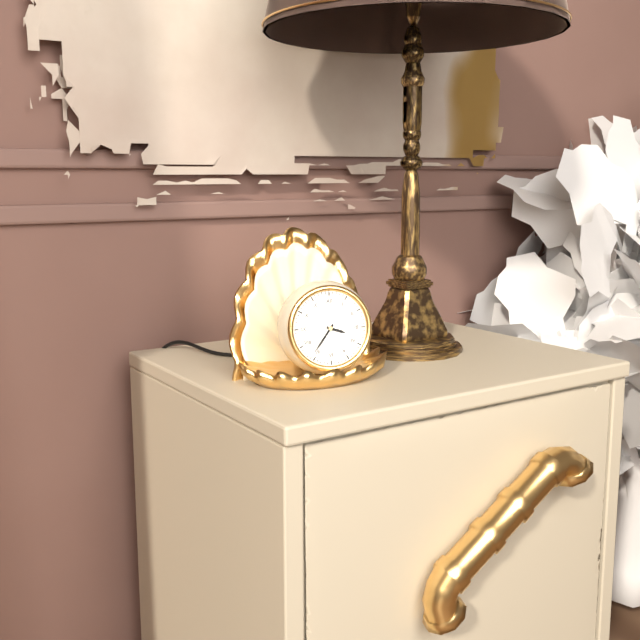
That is h=3 m=36
